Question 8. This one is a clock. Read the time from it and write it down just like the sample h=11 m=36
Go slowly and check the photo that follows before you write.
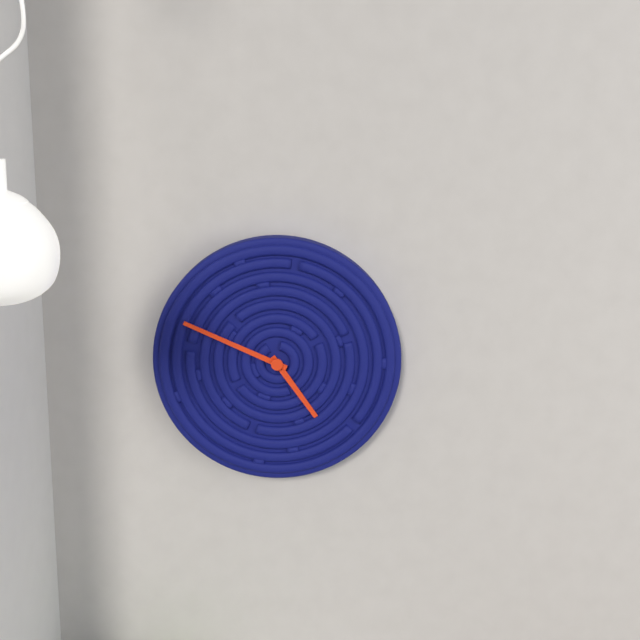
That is h=4 m=49
